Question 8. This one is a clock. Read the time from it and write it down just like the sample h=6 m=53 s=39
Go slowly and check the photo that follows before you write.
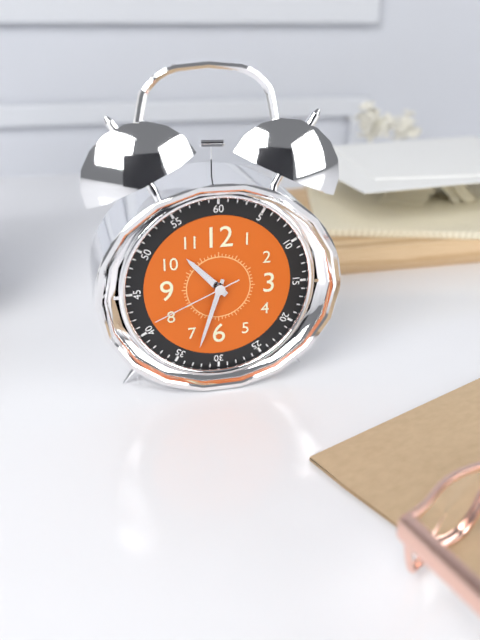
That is h=10 m=33 s=41
